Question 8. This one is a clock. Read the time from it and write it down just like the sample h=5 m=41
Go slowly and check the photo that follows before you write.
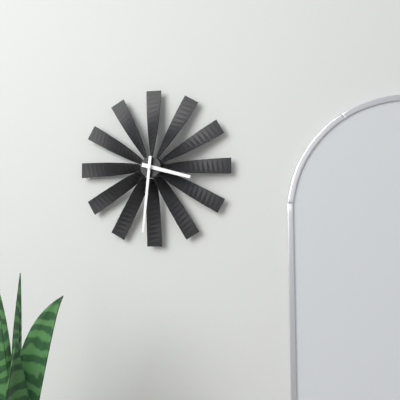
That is h=3 m=31
